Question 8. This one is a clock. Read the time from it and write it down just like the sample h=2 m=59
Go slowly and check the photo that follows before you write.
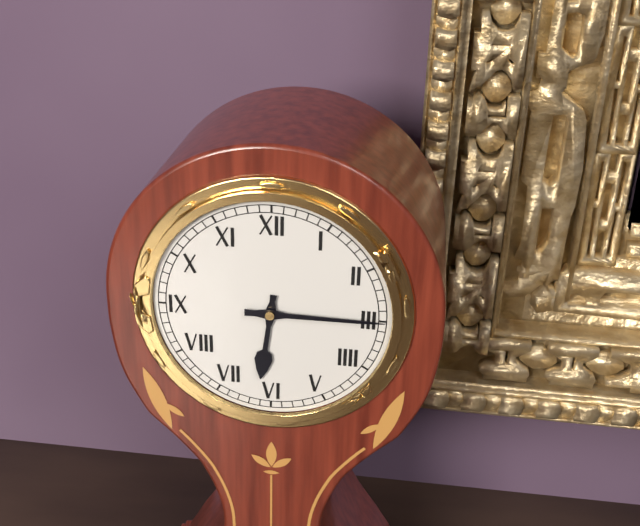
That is h=6 m=15
